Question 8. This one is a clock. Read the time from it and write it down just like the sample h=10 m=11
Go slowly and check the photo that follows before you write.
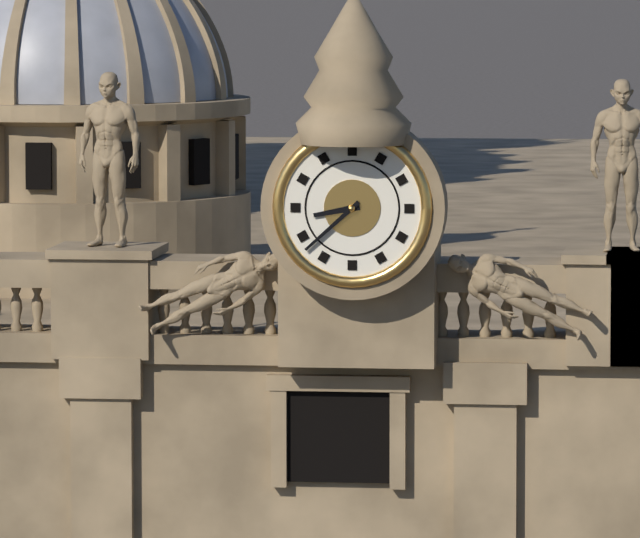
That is h=8 m=38
